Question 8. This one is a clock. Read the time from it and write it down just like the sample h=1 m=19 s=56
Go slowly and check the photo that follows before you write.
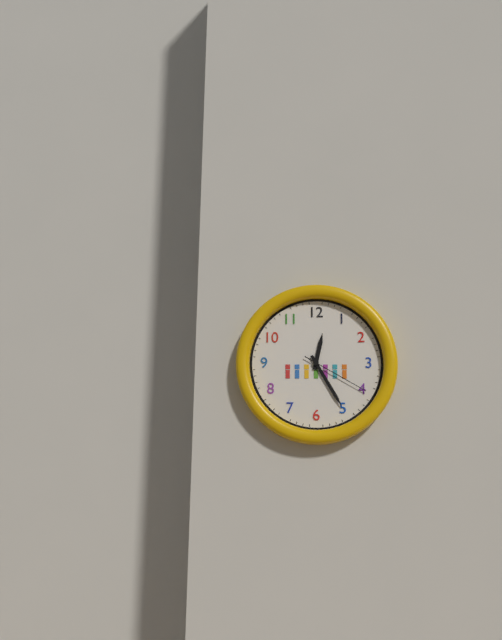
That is h=12 m=25 s=20
